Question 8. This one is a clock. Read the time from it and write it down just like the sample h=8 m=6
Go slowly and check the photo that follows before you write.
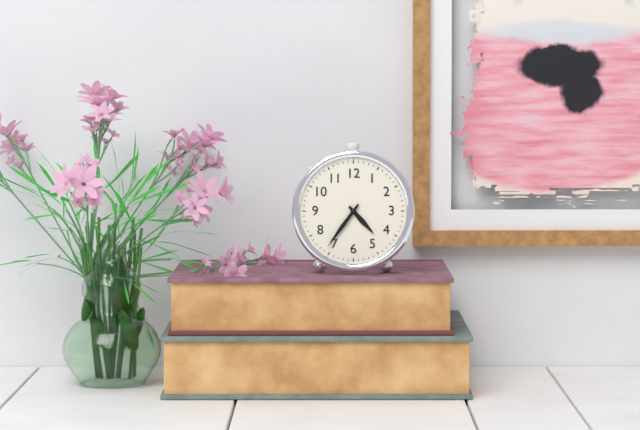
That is h=4 m=36
